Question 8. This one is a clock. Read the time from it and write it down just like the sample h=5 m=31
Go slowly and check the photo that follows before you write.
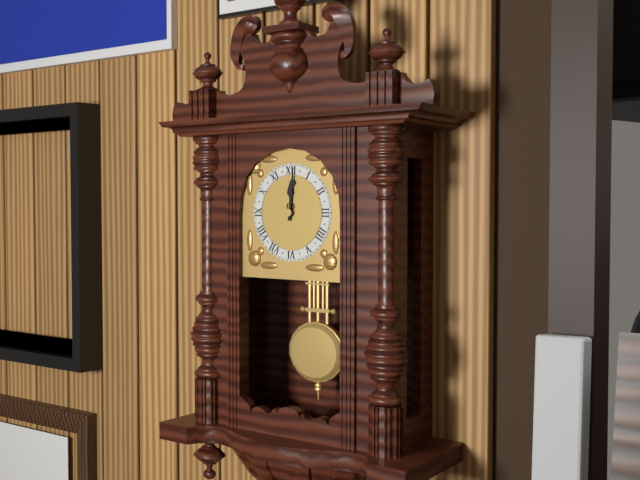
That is h=12 m=1
